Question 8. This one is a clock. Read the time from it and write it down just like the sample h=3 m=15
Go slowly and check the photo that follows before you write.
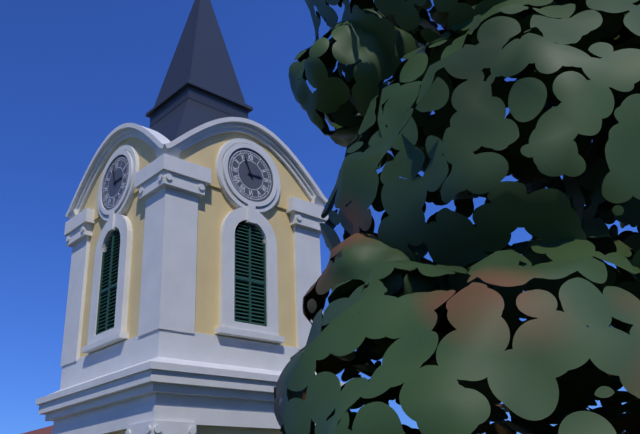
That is h=2 m=56
